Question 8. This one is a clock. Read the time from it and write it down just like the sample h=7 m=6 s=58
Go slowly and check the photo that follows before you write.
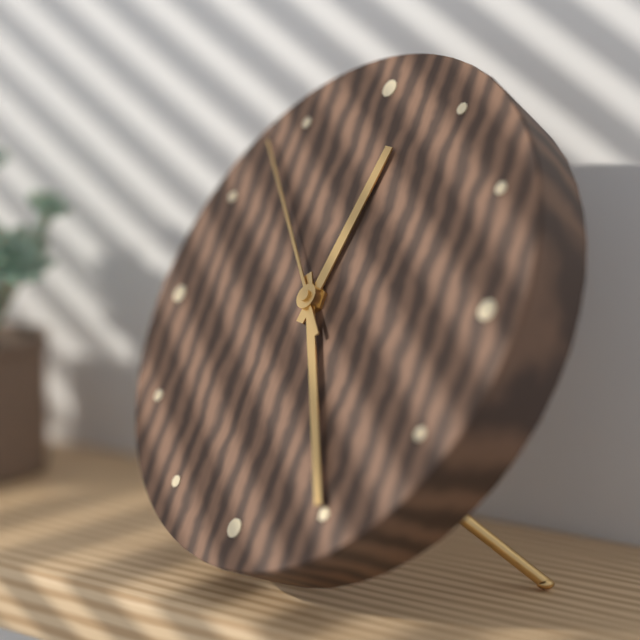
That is h=12 m=25 s=53
